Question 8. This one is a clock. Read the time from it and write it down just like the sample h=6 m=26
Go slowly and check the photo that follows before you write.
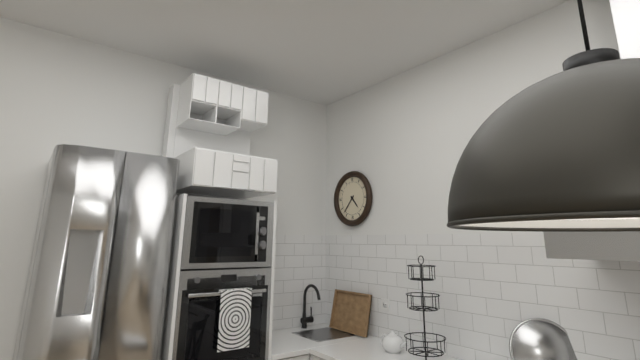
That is h=4 m=37
